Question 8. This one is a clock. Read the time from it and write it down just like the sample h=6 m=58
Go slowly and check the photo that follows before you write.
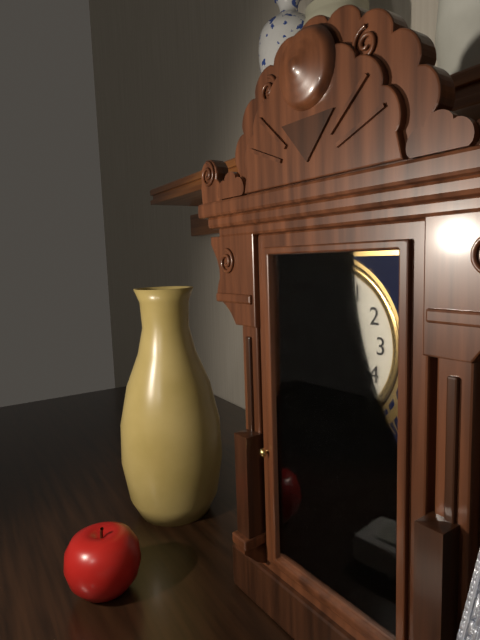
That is h=7 m=44
